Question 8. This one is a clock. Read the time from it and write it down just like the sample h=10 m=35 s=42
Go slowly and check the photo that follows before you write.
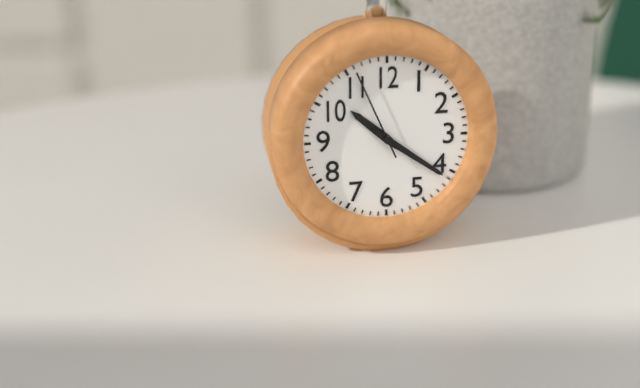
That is h=10 m=21 s=56
